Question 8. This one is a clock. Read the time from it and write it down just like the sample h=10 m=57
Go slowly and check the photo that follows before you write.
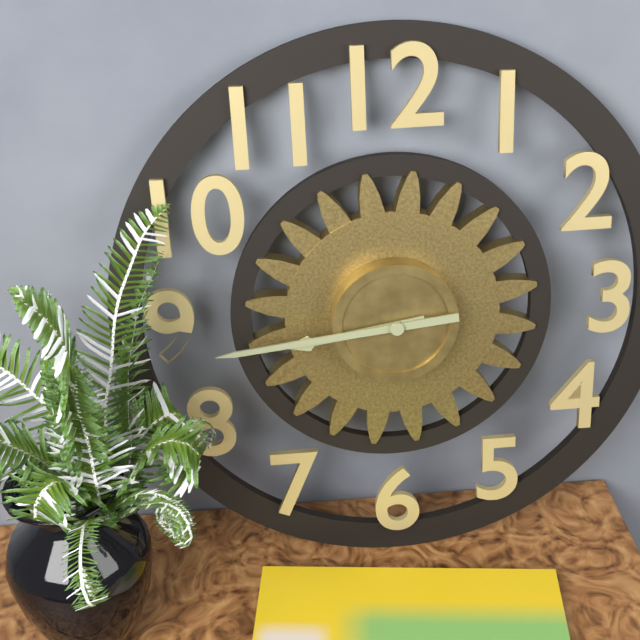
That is h=8 m=44
